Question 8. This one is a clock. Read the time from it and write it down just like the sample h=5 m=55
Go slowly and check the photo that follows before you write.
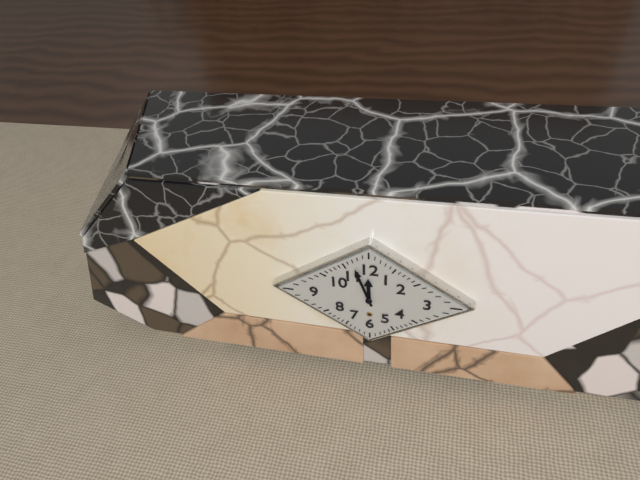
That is h=11 m=57
